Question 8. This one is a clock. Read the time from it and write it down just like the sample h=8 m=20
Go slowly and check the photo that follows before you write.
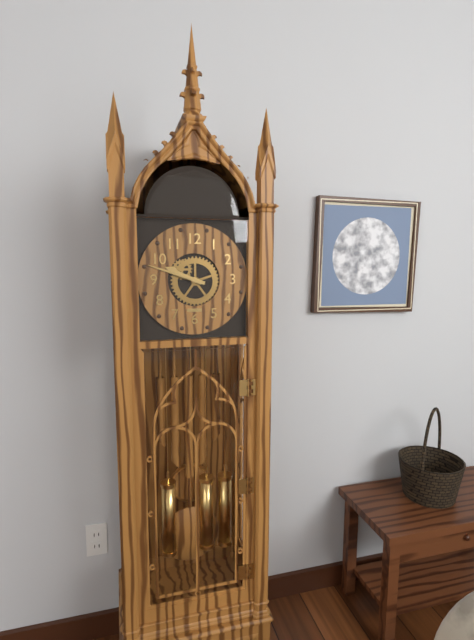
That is h=9 m=48
